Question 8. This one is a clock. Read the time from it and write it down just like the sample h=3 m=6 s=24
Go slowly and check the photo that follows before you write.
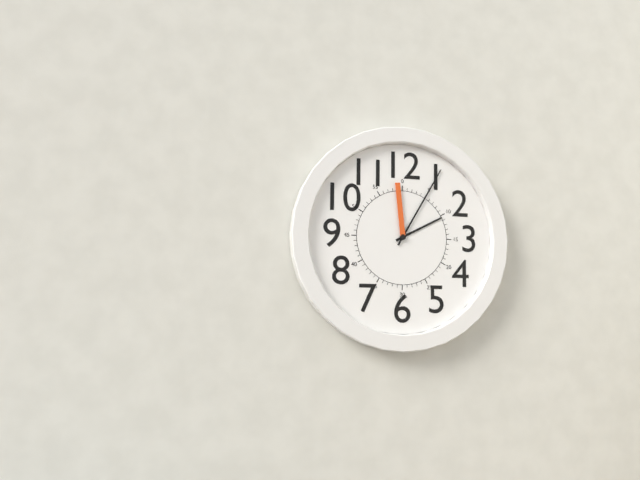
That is h=2 m=5 s=59
